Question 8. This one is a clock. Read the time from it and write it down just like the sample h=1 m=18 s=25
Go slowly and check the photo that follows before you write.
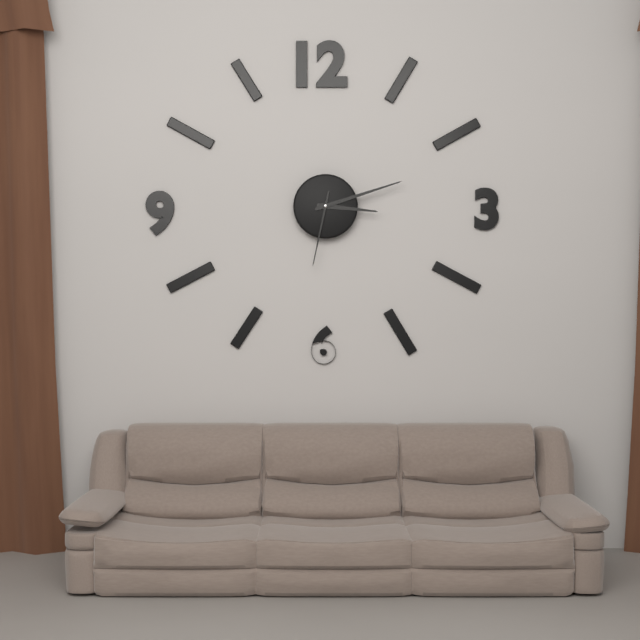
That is h=3 m=12 s=32
